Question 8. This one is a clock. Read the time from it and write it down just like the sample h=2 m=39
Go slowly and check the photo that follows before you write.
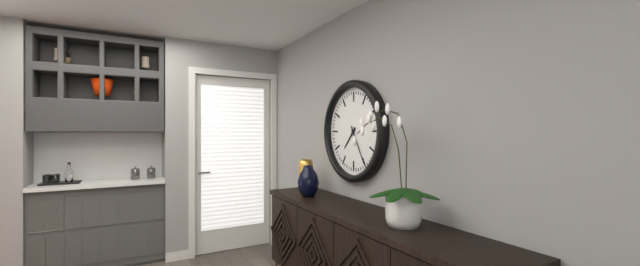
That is h=7 m=25
